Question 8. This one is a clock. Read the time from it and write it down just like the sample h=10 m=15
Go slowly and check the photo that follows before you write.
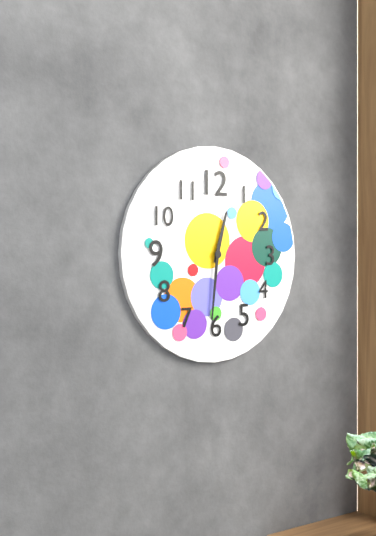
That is h=12 m=31
